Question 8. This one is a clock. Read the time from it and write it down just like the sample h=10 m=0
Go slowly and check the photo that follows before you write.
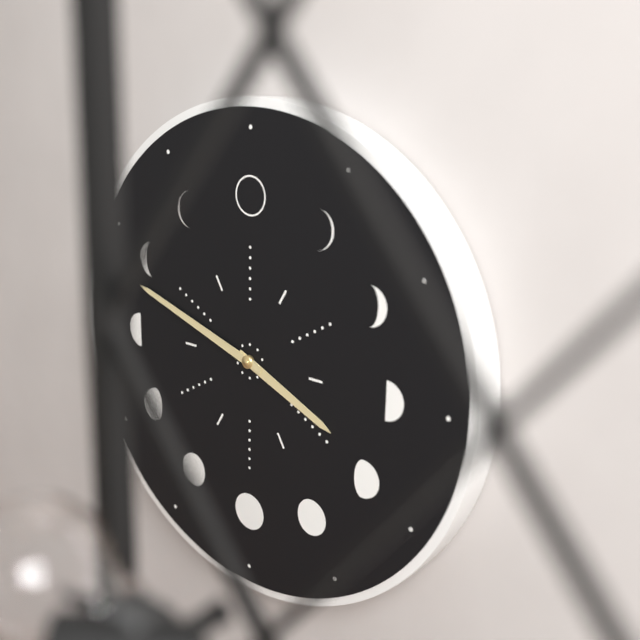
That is h=3 m=48
